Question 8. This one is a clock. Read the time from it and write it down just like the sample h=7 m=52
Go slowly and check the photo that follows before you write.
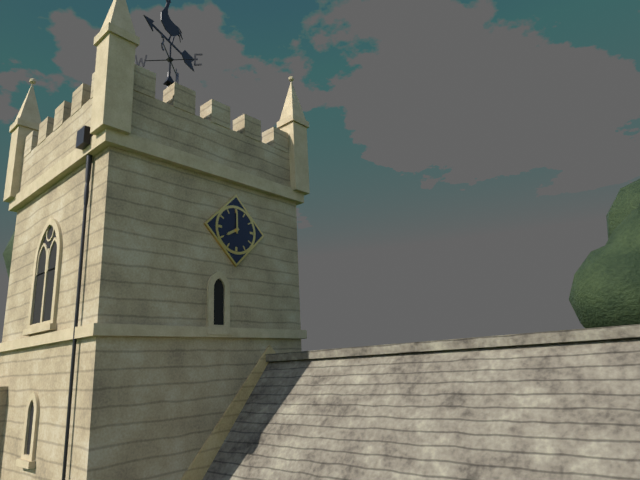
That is h=8 m=0
